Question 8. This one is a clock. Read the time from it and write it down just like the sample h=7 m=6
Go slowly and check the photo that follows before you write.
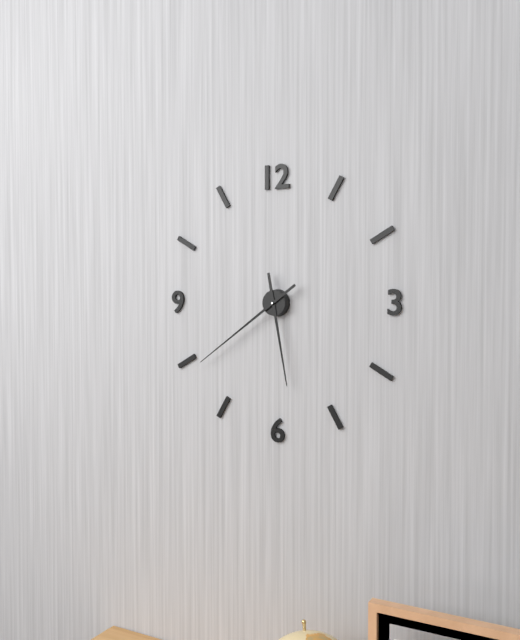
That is h=5 m=39
